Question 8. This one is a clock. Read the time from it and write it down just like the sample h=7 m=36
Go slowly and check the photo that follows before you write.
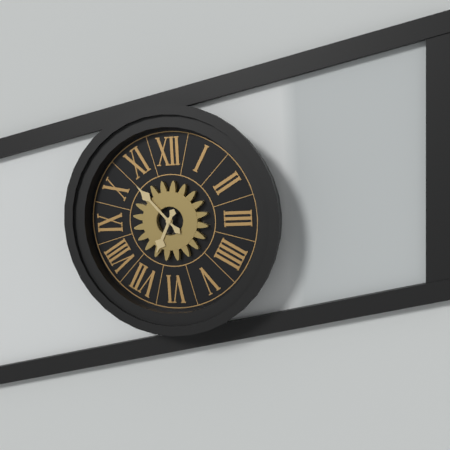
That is h=6 m=53
